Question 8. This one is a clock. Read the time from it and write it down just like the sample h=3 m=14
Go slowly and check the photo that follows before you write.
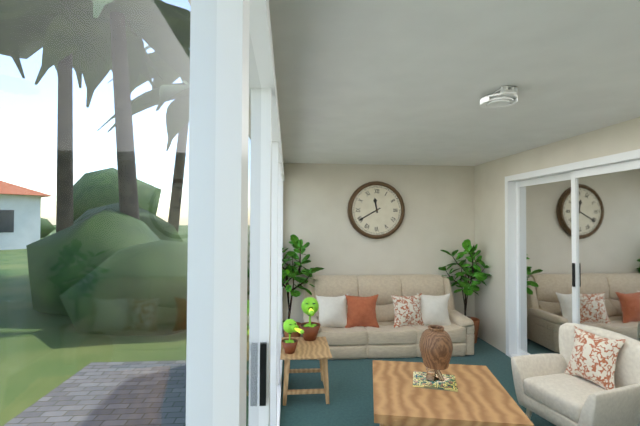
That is h=11 m=40
